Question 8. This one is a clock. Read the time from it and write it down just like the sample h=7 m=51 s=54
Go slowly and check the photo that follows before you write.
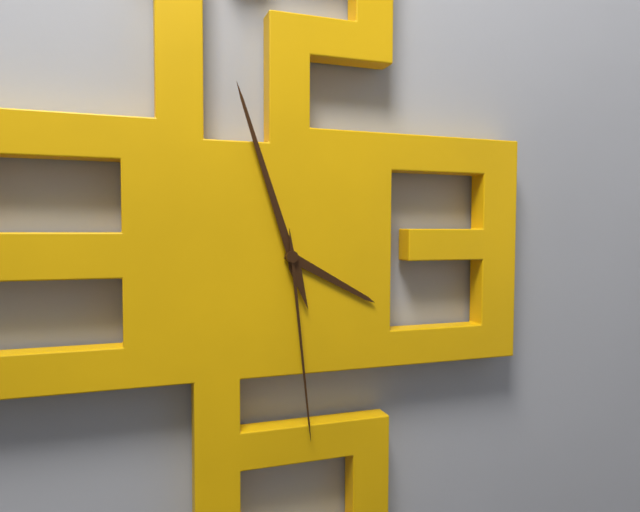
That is h=3 m=57 s=29
